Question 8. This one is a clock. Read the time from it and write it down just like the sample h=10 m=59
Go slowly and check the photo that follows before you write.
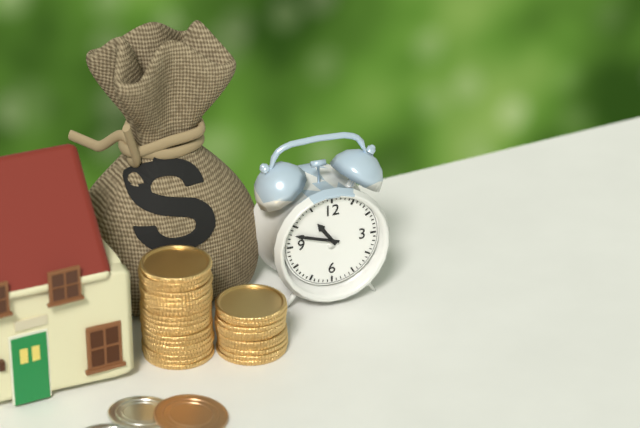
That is h=10 m=48
